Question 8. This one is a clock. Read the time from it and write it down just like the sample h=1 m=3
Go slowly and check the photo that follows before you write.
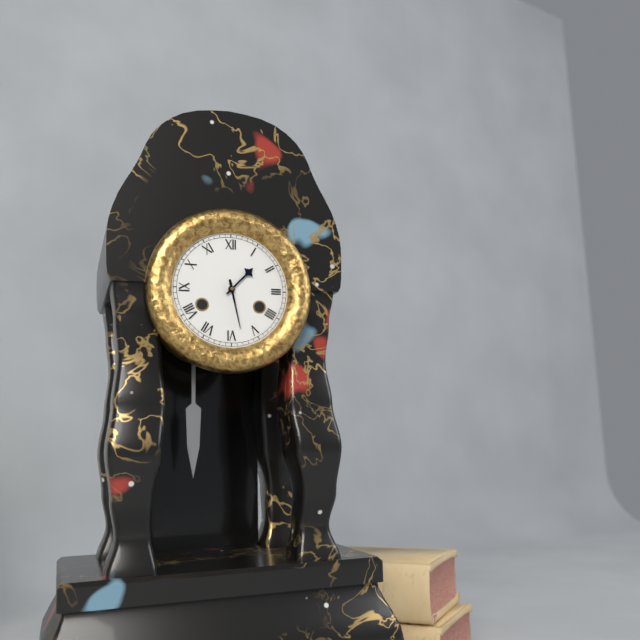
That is h=1 m=28
